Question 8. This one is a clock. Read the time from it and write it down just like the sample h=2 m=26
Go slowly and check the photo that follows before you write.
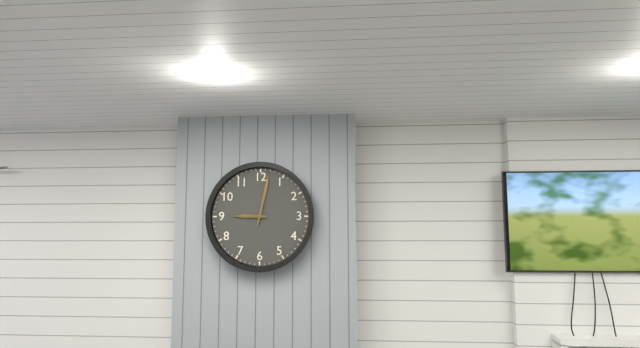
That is h=9 m=2
